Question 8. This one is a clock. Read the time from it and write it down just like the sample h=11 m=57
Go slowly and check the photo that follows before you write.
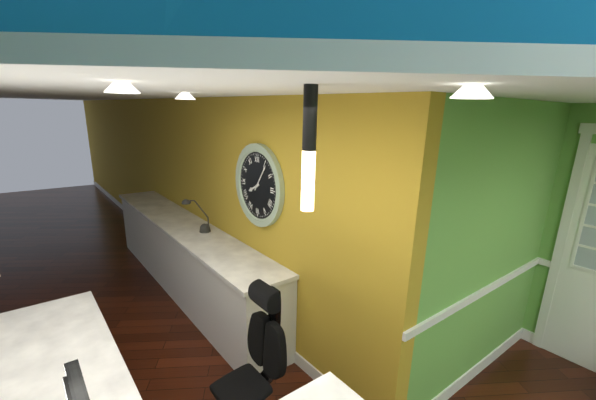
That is h=8 m=6
